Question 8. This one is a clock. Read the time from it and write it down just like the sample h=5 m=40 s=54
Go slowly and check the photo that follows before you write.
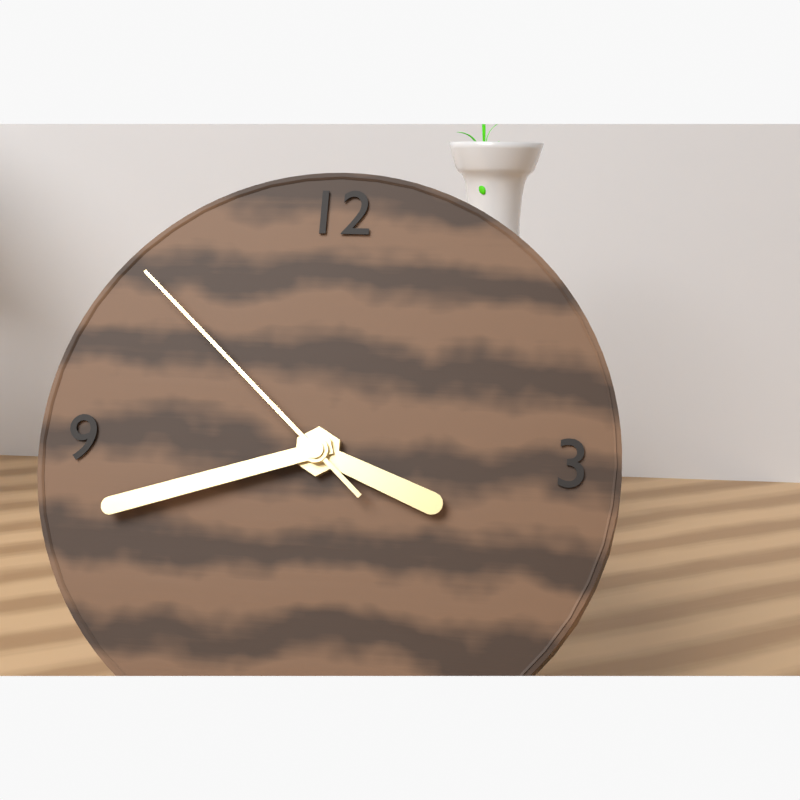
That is h=3 m=42 s=52
